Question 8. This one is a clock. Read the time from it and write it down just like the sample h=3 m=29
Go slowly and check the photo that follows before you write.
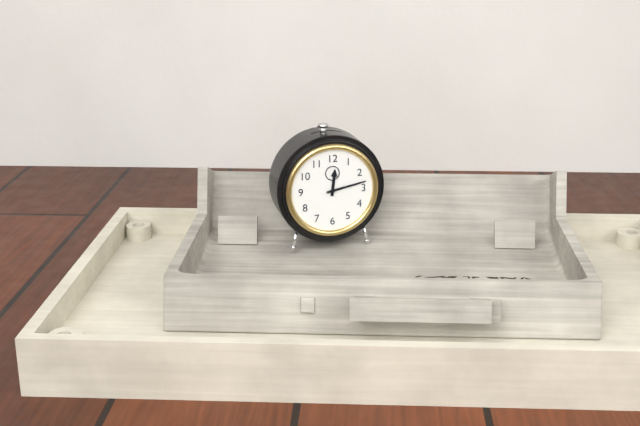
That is h=12 m=13
